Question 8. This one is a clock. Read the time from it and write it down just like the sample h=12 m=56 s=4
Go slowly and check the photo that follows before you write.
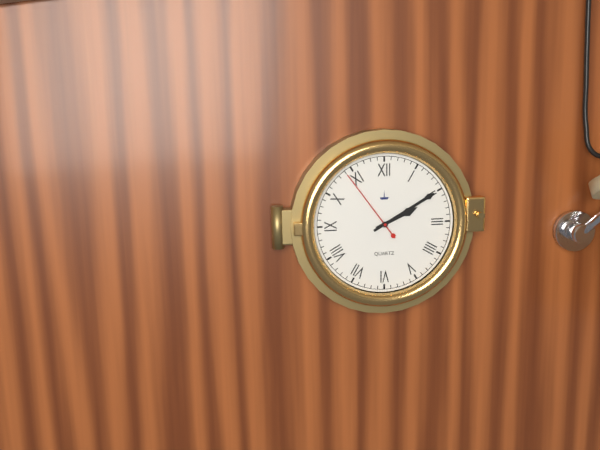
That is h=2 m=10 s=54
